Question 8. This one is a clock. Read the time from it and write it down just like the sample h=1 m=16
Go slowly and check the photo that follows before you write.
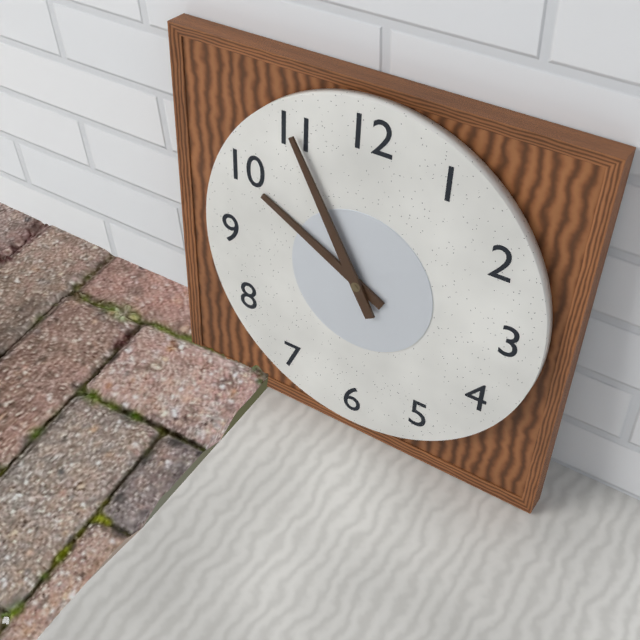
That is h=9 m=55
